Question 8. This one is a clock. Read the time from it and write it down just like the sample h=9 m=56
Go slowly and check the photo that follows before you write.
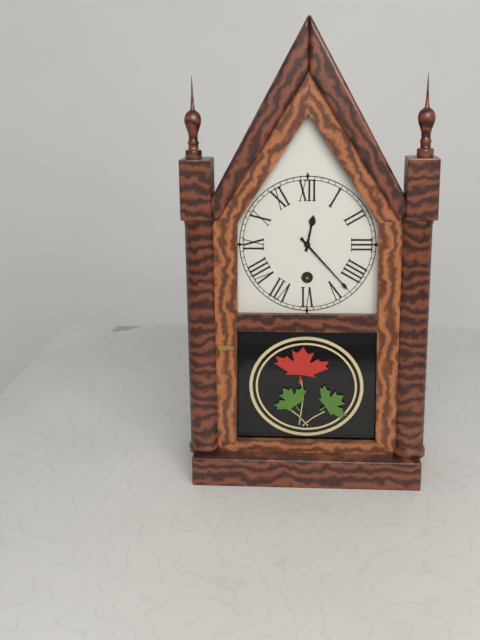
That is h=12 m=23
